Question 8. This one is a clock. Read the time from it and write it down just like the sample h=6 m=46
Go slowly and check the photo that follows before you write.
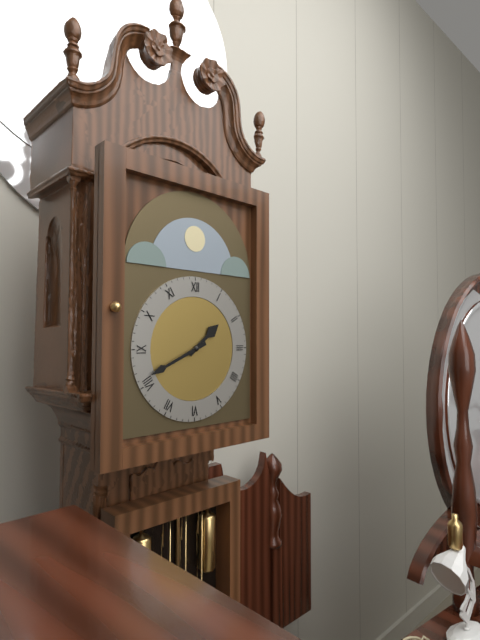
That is h=1 m=41
